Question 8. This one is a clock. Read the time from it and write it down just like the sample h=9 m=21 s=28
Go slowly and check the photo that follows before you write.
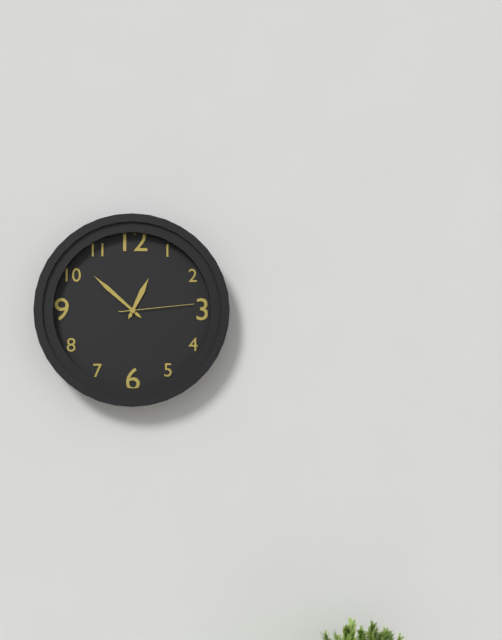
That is h=12 m=52 s=14
